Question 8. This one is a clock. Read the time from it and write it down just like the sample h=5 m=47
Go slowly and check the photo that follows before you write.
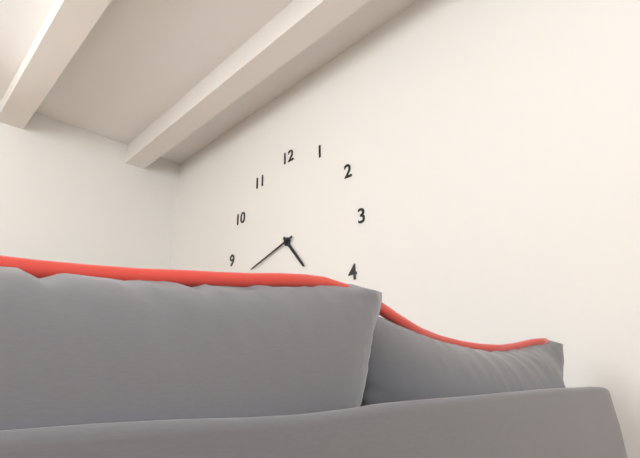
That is h=4 m=42
